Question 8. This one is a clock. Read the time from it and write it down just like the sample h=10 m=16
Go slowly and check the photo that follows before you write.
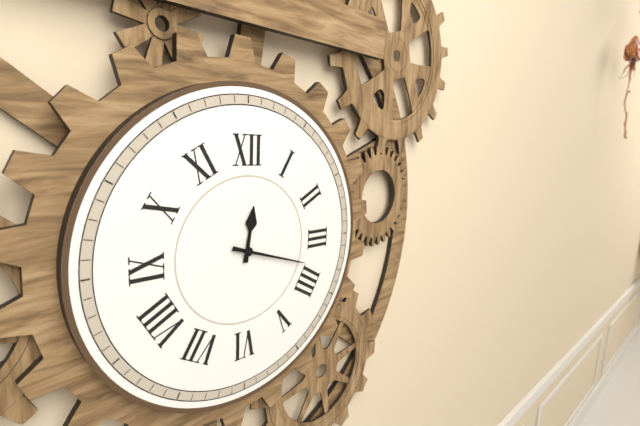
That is h=12 m=18
